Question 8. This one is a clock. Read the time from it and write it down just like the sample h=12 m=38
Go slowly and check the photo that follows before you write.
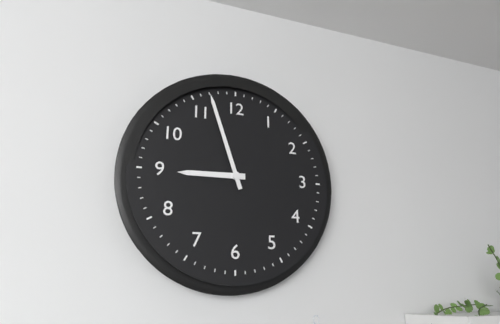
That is h=8 m=57
